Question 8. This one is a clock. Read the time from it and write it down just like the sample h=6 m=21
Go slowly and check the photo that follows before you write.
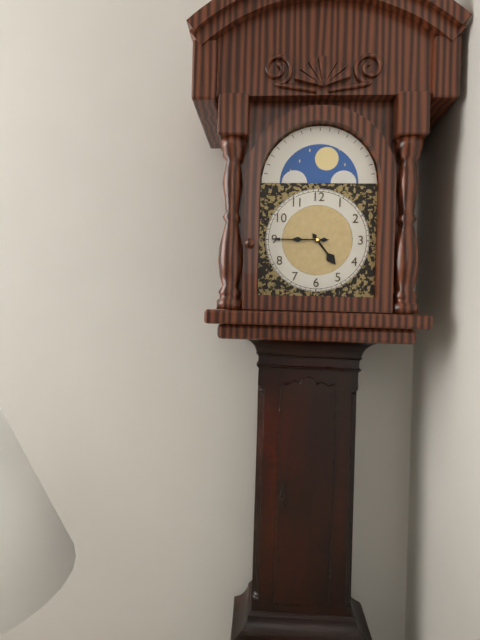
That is h=4 m=45
